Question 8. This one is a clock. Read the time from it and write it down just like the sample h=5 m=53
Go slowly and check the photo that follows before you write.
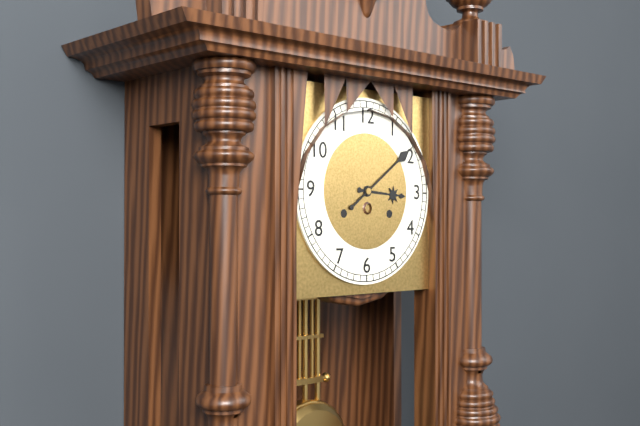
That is h=3 m=9
